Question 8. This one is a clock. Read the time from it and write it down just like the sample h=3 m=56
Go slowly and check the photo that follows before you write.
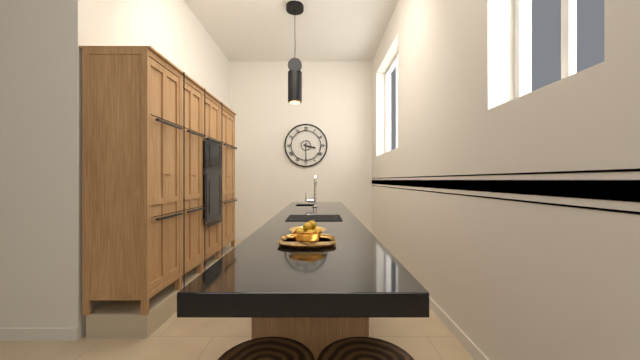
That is h=3 m=30
